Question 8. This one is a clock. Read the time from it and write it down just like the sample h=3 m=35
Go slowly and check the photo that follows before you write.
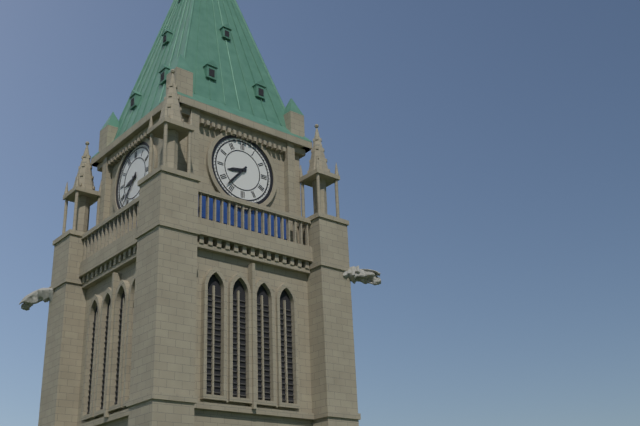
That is h=8 m=37
